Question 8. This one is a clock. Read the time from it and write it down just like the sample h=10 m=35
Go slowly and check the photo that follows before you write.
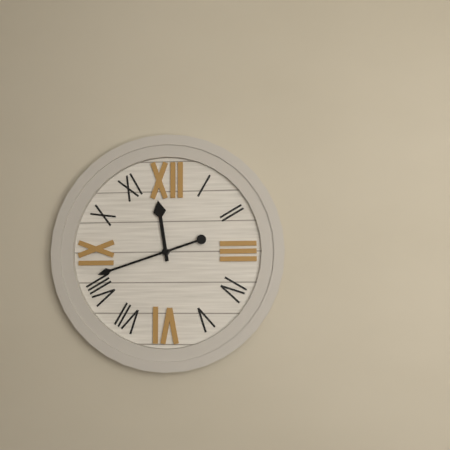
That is h=11 m=42
